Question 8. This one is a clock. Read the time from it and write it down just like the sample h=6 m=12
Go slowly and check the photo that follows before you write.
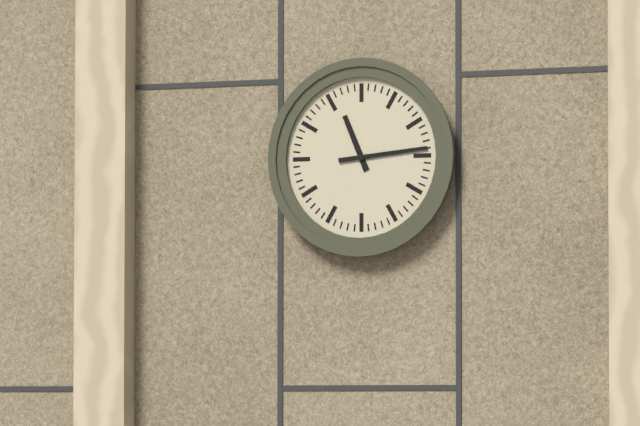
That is h=11 m=14
